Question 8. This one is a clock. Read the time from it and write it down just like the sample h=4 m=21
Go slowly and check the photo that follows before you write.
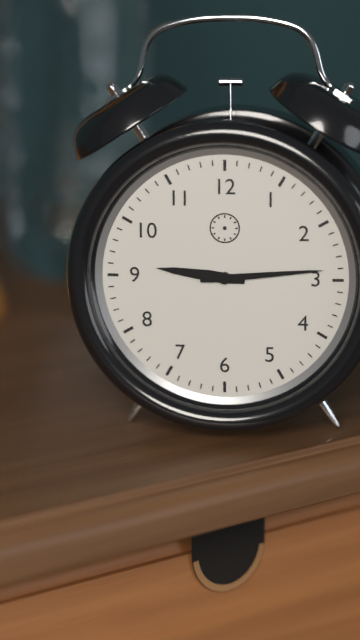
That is h=9 m=14
